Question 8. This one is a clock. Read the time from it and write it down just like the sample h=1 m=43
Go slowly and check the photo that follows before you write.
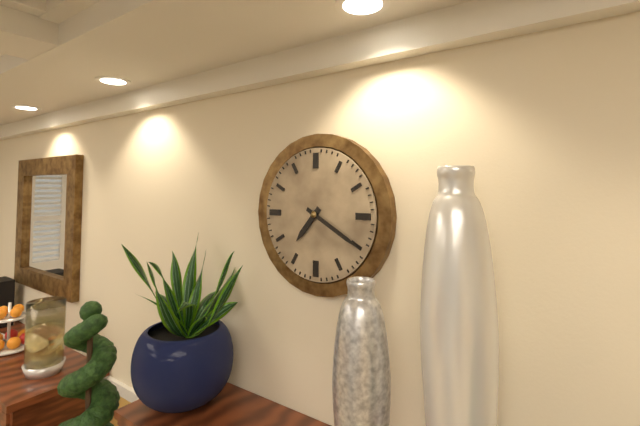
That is h=7 m=20
